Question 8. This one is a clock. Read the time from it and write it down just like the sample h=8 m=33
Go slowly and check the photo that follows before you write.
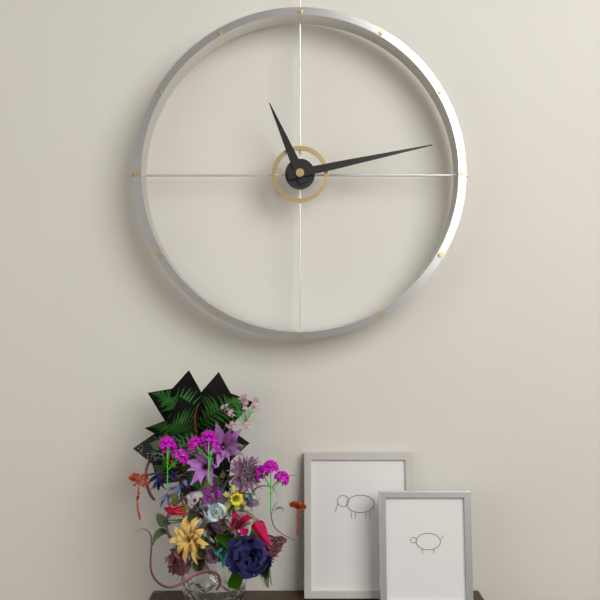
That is h=11 m=13
